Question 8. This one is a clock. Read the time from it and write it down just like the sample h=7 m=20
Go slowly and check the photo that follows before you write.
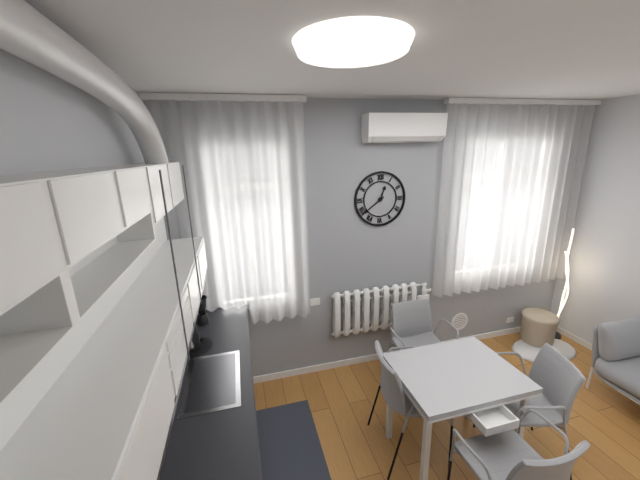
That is h=12 m=39
